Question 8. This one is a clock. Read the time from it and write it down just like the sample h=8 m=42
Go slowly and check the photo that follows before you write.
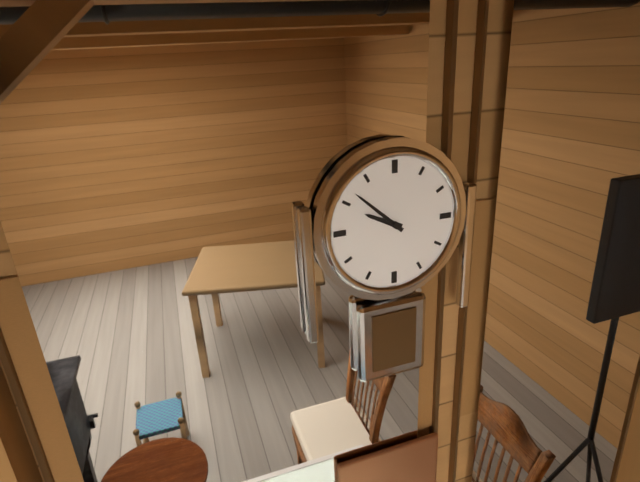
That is h=9 m=52
